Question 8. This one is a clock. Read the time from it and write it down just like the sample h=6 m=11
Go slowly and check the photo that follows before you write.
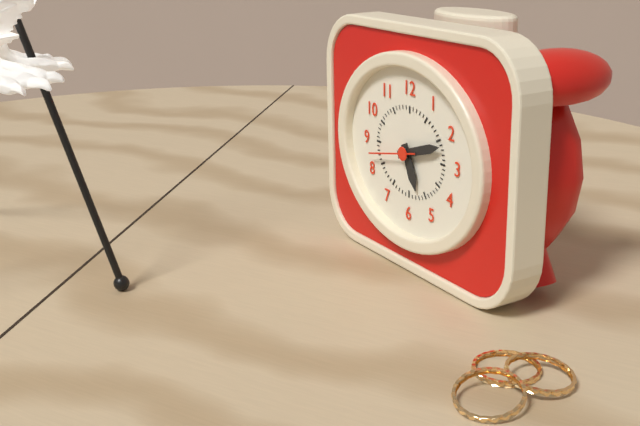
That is h=5 m=12
